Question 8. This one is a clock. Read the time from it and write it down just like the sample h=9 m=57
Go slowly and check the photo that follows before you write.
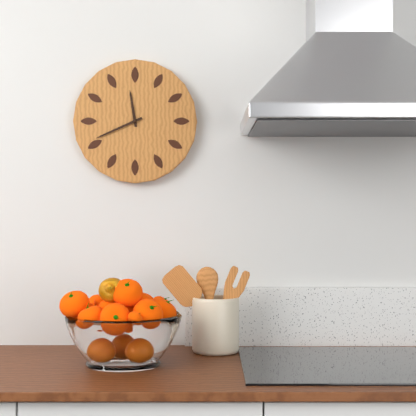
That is h=11 m=41
